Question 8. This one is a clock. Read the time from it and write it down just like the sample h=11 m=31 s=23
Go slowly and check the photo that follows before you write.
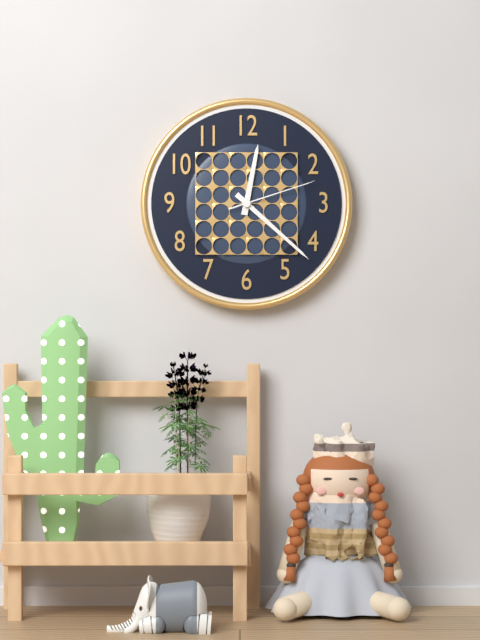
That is h=12 m=22 s=12
